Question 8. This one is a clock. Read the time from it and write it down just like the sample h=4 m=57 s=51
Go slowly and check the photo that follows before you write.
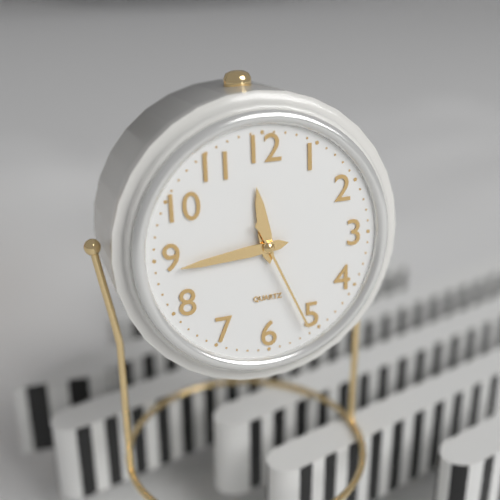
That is h=11 m=44 s=26
